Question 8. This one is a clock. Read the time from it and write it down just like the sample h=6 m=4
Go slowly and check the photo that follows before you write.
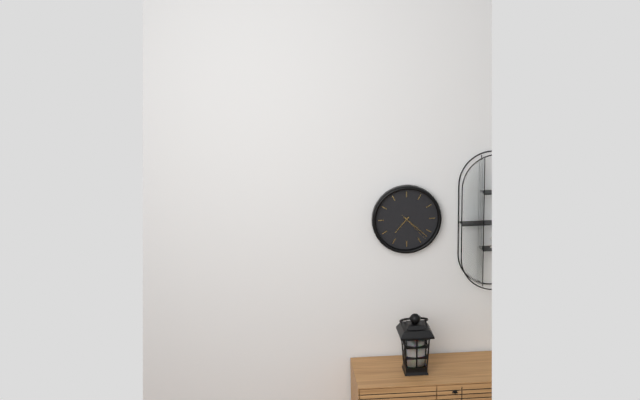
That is h=7 m=22
